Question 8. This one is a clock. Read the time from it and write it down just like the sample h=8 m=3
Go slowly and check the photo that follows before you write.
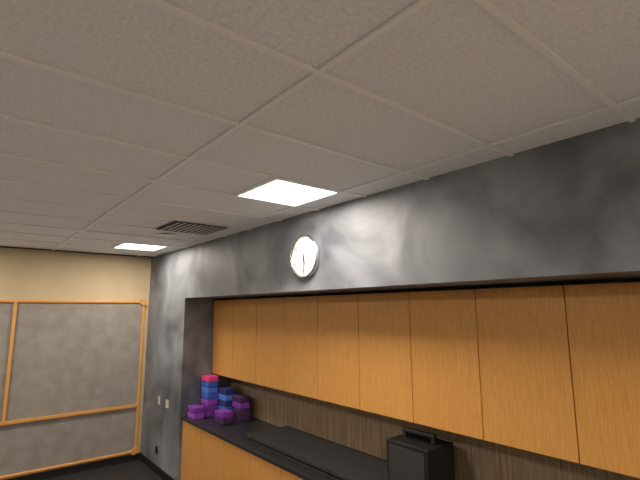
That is h=5 m=30
